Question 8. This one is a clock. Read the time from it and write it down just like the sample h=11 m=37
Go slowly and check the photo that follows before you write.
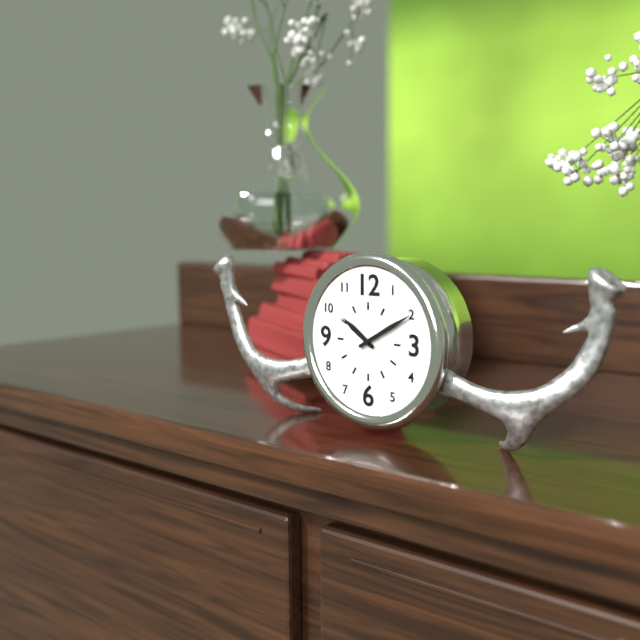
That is h=10 m=10
